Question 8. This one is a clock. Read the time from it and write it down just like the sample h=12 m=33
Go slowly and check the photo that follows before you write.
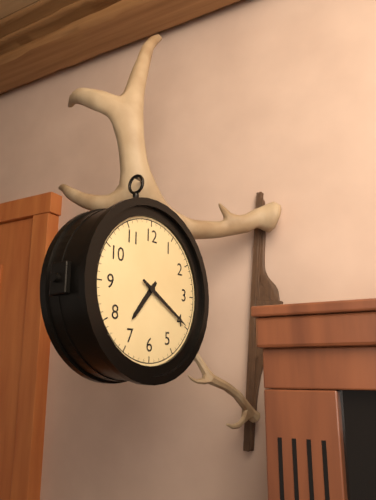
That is h=7 m=20
